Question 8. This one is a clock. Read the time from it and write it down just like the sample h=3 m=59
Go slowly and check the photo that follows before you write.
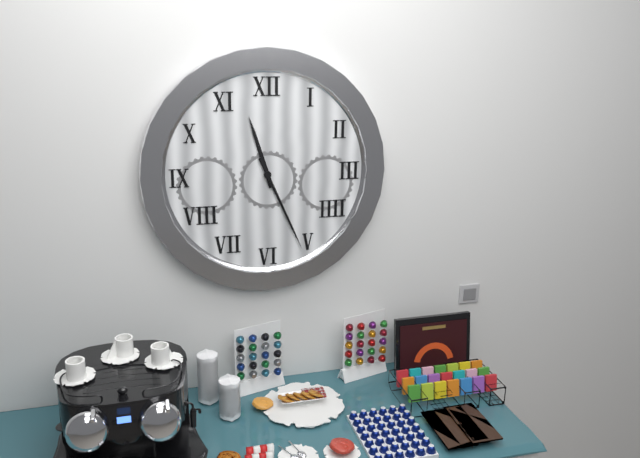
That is h=11 m=26
